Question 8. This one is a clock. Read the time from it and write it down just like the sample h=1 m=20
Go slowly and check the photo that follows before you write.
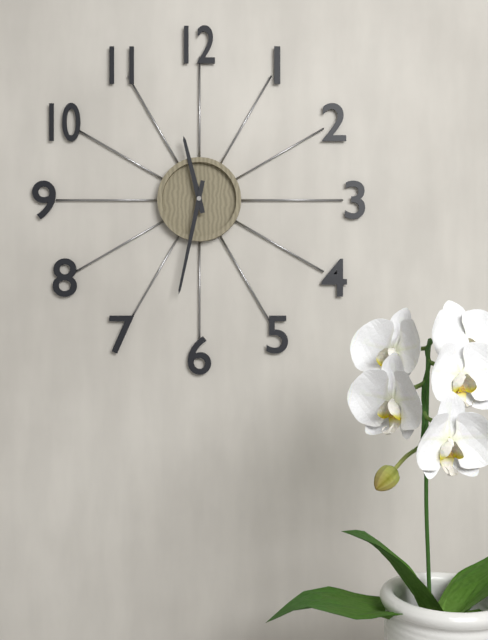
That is h=11 m=32
